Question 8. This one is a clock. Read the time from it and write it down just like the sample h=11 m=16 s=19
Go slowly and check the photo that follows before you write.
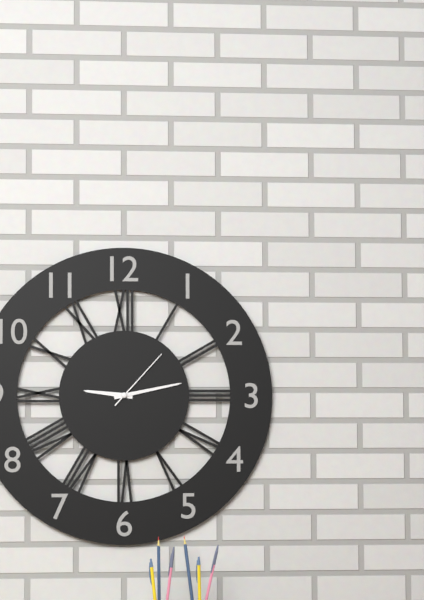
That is h=9 m=13 s=7
